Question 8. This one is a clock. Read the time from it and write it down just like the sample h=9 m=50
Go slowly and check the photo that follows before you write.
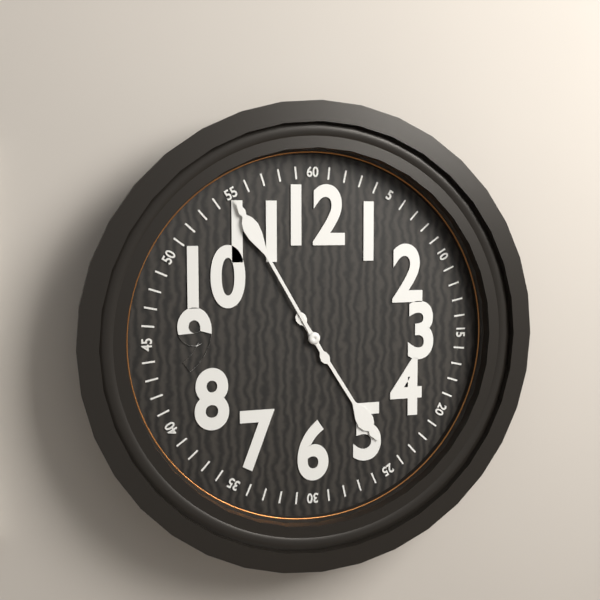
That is h=4 m=55
